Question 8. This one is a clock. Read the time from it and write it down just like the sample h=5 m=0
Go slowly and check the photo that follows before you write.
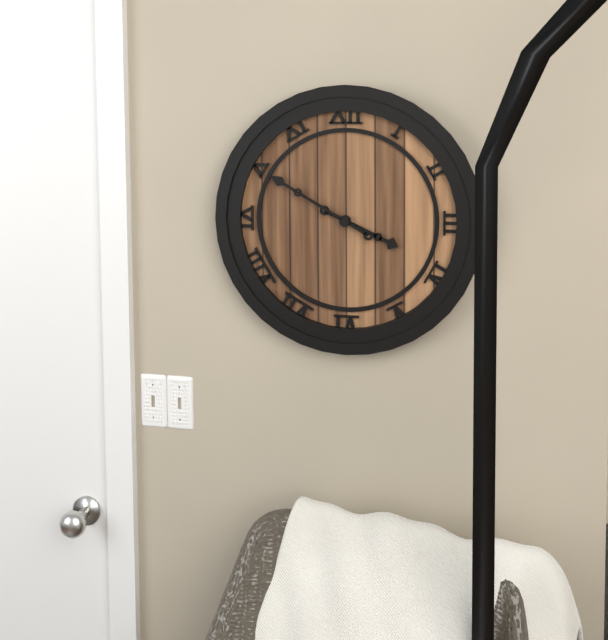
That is h=3 m=50
